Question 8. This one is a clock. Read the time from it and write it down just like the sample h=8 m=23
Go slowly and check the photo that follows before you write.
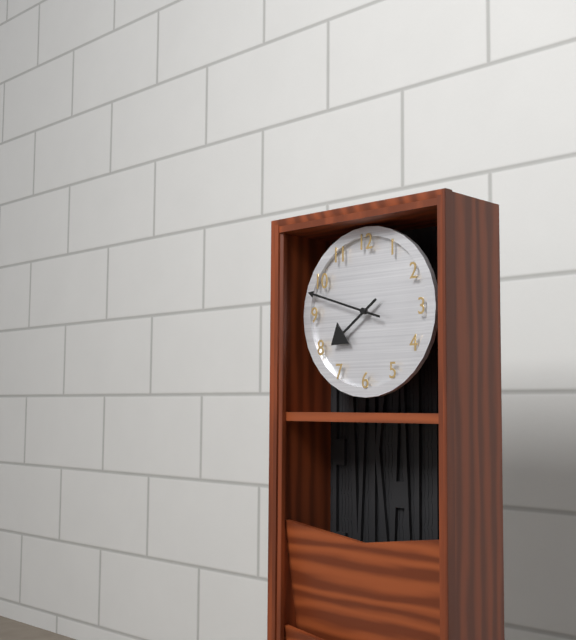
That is h=7 m=48
